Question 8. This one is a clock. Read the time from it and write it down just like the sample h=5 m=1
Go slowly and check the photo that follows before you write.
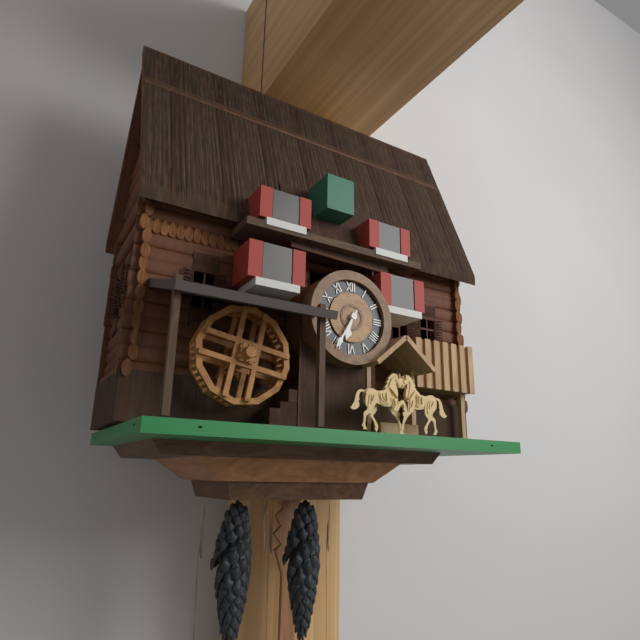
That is h=6 m=35
